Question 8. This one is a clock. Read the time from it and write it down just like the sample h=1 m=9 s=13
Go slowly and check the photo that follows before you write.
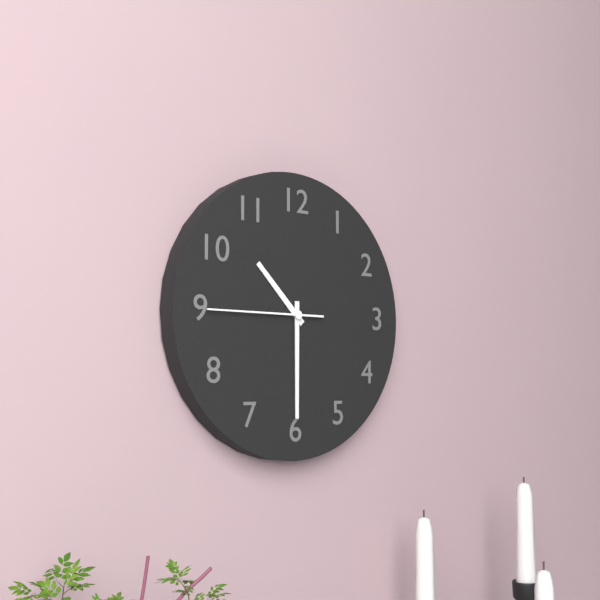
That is h=10 m=30 s=45
